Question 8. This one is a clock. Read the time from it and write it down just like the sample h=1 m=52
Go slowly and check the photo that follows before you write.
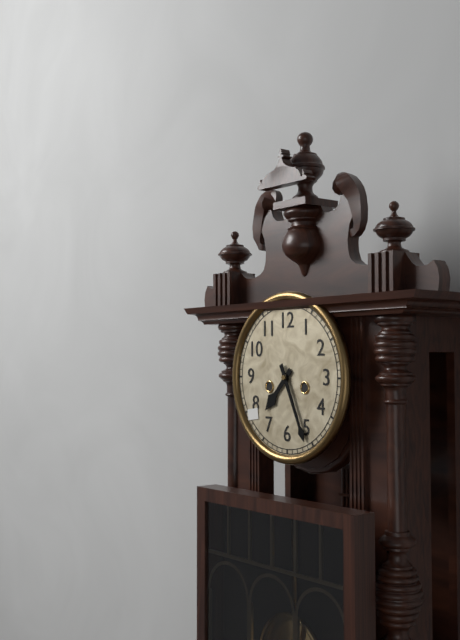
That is h=7 m=26
